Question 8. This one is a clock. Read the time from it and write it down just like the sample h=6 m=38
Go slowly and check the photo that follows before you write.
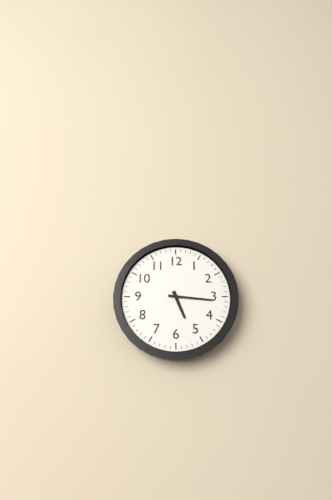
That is h=5 m=16
